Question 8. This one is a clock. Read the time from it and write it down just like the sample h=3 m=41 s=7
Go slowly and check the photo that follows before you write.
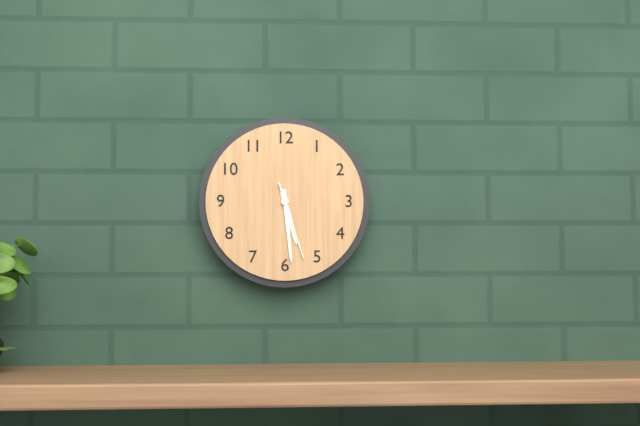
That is h=5 m=29 s=27
